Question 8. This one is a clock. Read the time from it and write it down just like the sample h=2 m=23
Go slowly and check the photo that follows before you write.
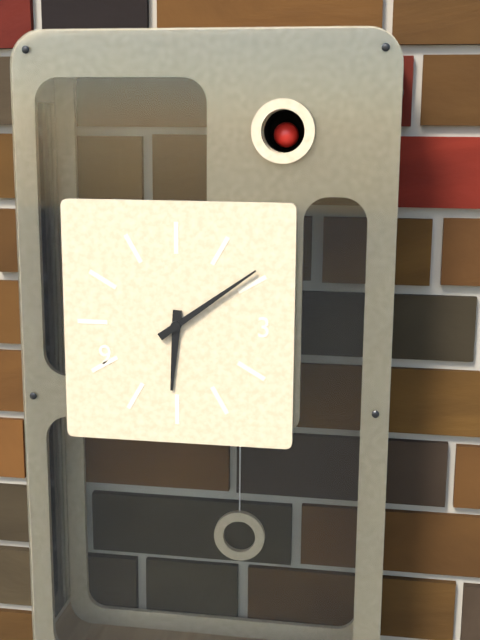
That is h=6 m=9
